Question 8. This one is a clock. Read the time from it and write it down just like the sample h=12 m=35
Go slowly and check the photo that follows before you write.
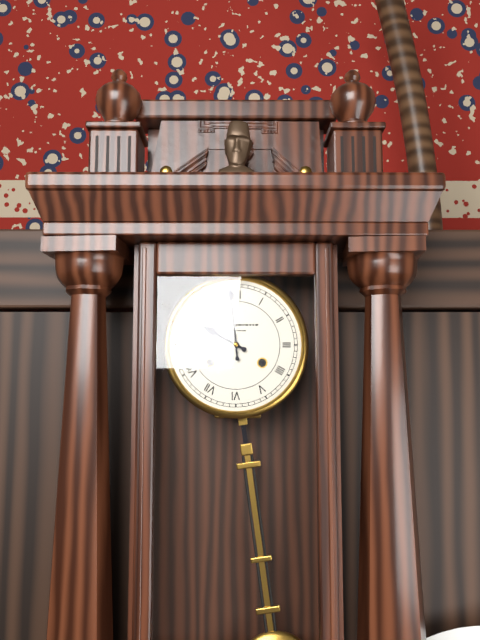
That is h=9 m=59
